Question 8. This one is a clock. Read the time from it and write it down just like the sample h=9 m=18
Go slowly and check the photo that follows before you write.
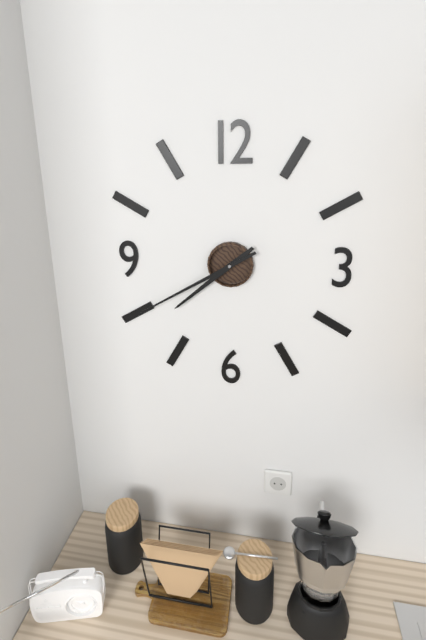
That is h=7 m=40
